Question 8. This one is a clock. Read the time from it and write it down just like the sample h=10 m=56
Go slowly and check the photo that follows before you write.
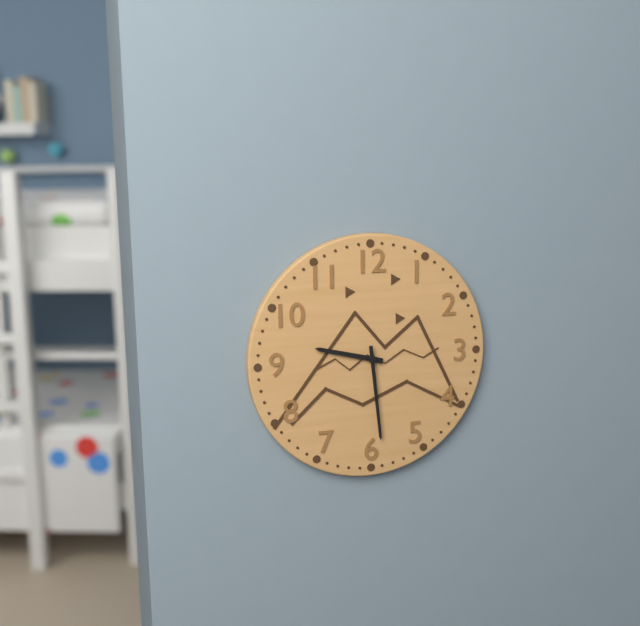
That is h=9 m=29
